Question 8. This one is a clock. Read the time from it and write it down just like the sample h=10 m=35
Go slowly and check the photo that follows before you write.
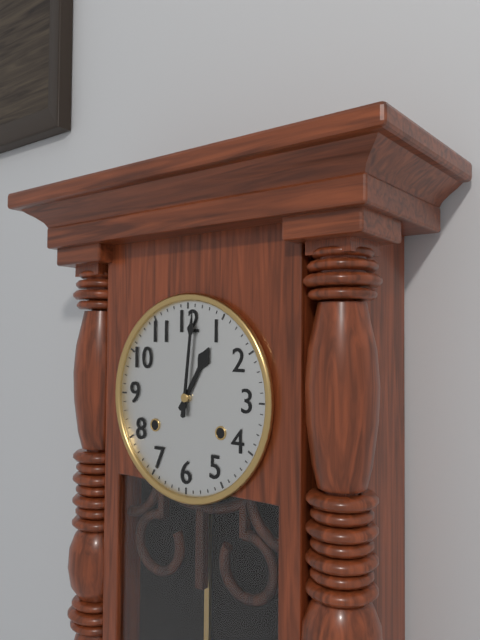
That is h=1 m=1
